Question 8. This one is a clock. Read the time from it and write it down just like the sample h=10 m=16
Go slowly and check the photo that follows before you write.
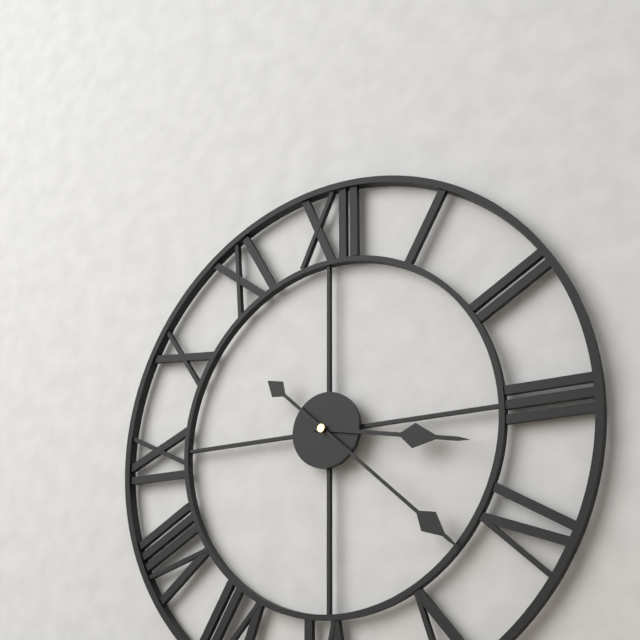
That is h=3 m=22
